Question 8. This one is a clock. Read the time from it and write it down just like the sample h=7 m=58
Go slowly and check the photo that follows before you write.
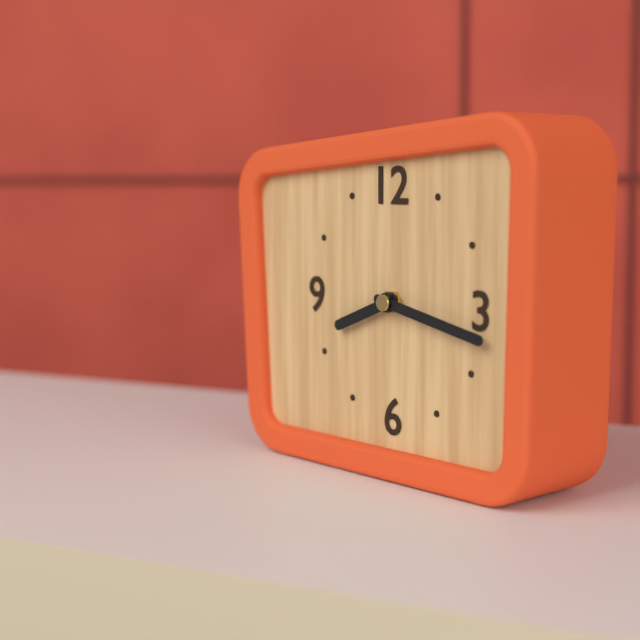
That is h=8 m=17
